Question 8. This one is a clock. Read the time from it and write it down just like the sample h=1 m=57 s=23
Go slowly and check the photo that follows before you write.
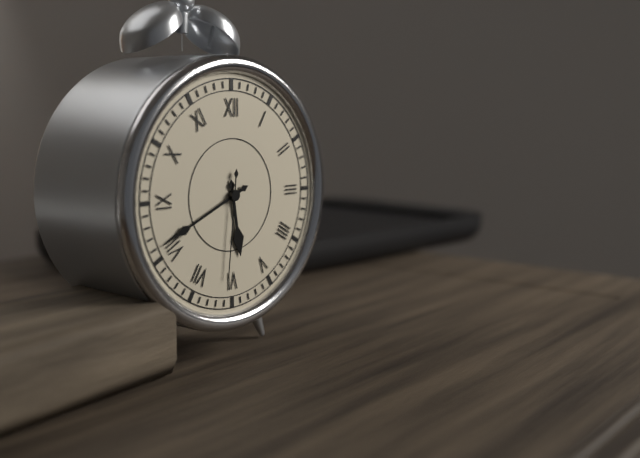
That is h=5 m=41 s=31
